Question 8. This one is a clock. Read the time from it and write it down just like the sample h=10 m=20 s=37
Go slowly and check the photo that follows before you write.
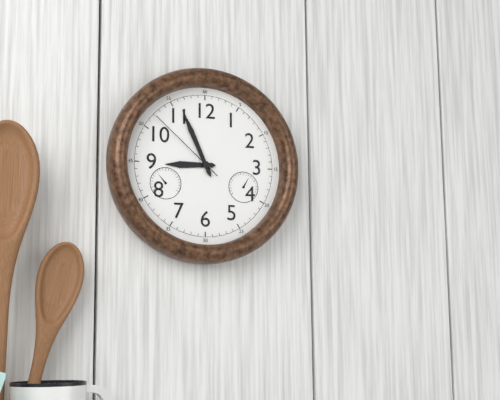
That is h=8 m=56 s=52
